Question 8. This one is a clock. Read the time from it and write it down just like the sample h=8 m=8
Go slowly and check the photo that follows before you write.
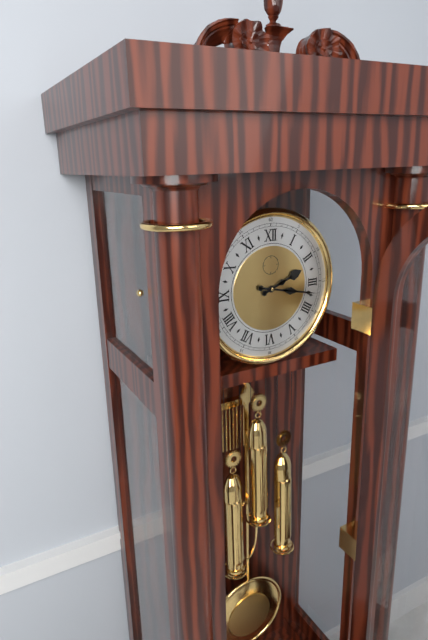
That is h=2 m=17
